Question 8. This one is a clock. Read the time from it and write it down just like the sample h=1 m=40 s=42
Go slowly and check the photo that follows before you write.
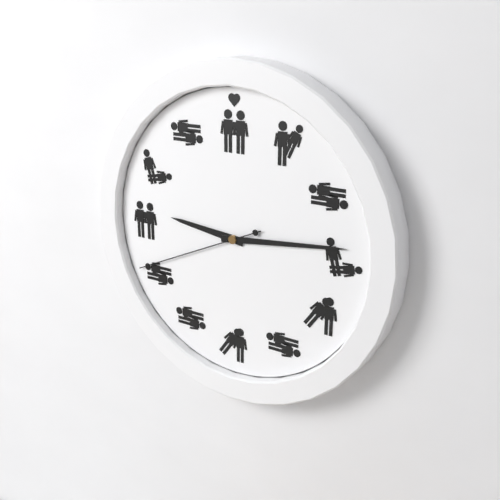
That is h=9 m=14 s=41
